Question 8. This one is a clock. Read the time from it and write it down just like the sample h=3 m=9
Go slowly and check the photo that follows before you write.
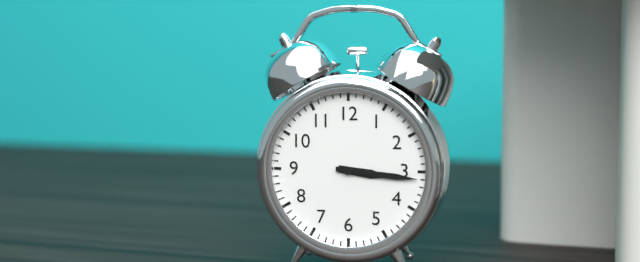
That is h=3 m=16
